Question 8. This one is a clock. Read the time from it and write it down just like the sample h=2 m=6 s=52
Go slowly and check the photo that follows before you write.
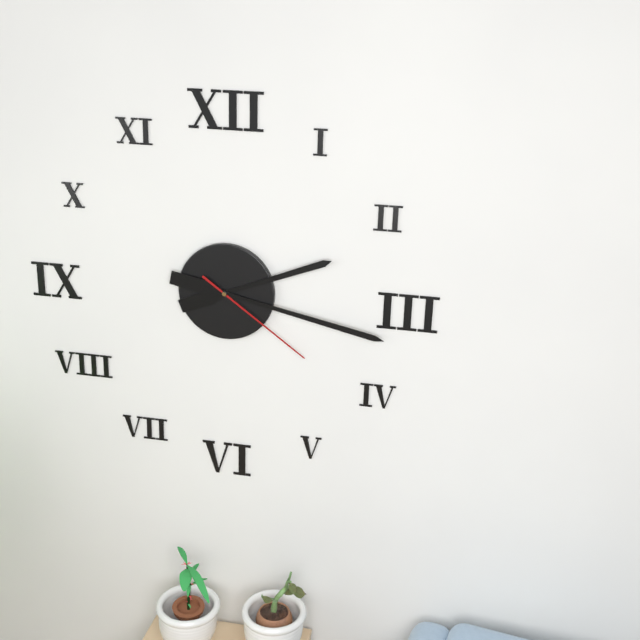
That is h=2 m=17 s=21
